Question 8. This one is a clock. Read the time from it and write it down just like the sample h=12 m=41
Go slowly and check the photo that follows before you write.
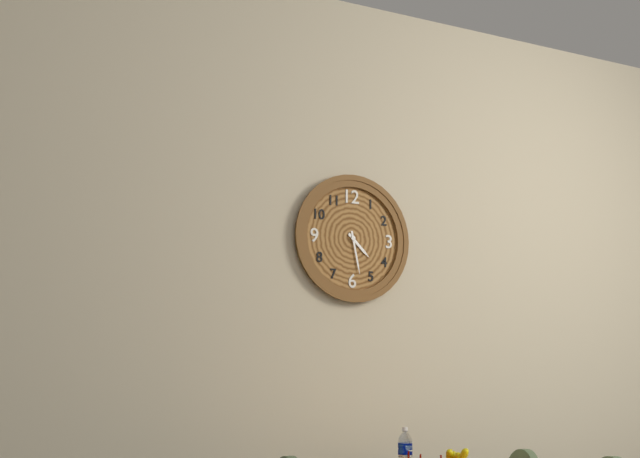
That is h=4 m=28
